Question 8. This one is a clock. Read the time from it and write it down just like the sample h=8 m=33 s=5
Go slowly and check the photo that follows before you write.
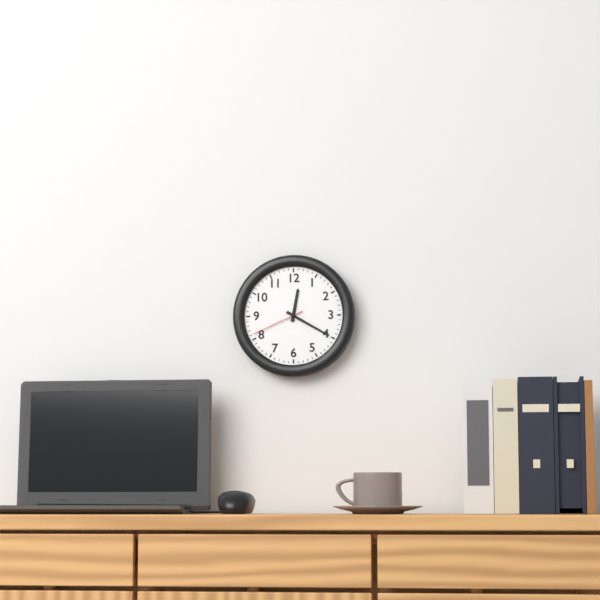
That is h=12 m=20 s=41
